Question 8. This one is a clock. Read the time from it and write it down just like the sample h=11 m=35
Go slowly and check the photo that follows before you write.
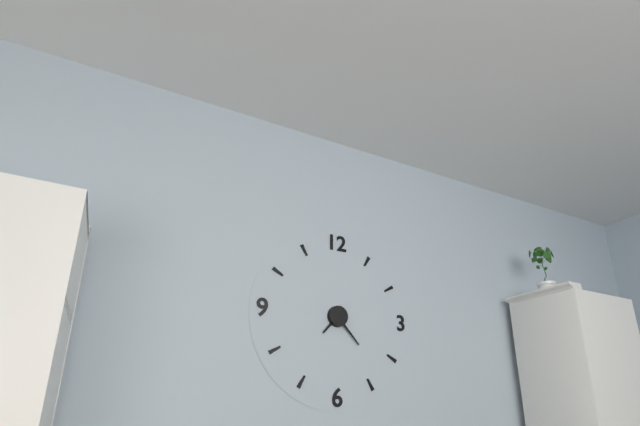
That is h=7 m=23
